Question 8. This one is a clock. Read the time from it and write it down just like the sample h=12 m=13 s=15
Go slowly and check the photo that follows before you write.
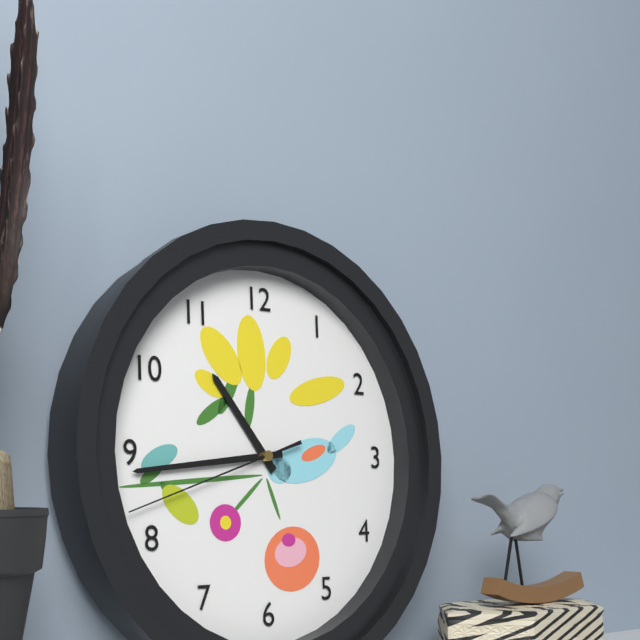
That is h=10 m=44 s=42
